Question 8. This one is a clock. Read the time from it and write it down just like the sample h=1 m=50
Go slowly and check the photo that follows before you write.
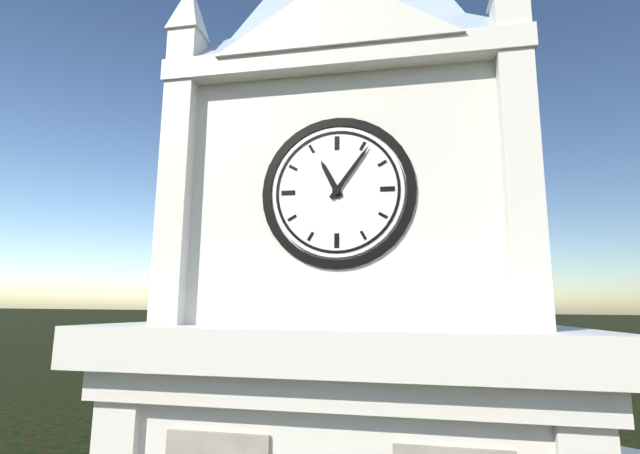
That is h=11 m=6
